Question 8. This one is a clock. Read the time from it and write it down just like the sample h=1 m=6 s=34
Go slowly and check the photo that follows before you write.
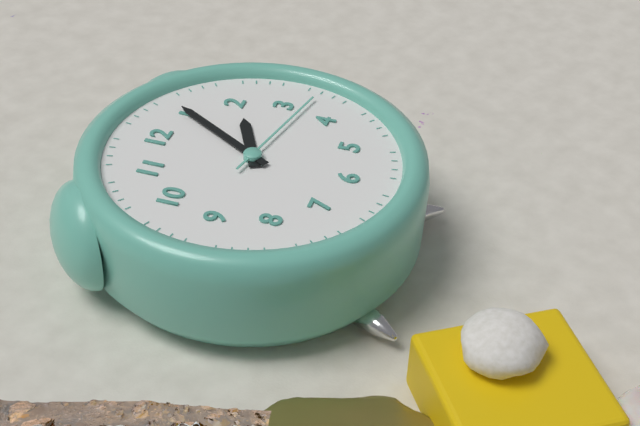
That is h=2 m=5 s=17
